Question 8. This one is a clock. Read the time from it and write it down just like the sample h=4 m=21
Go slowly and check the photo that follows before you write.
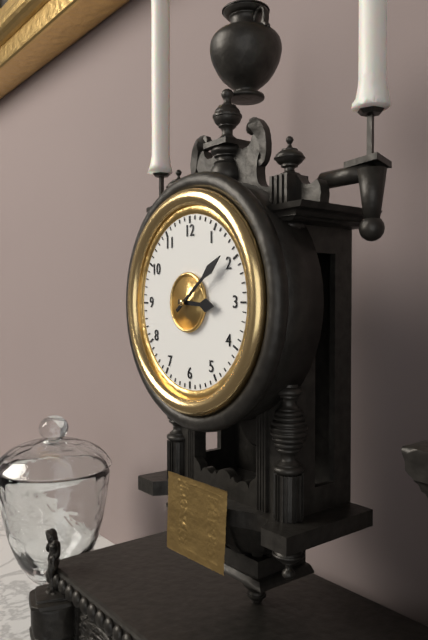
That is h=3 m=9
